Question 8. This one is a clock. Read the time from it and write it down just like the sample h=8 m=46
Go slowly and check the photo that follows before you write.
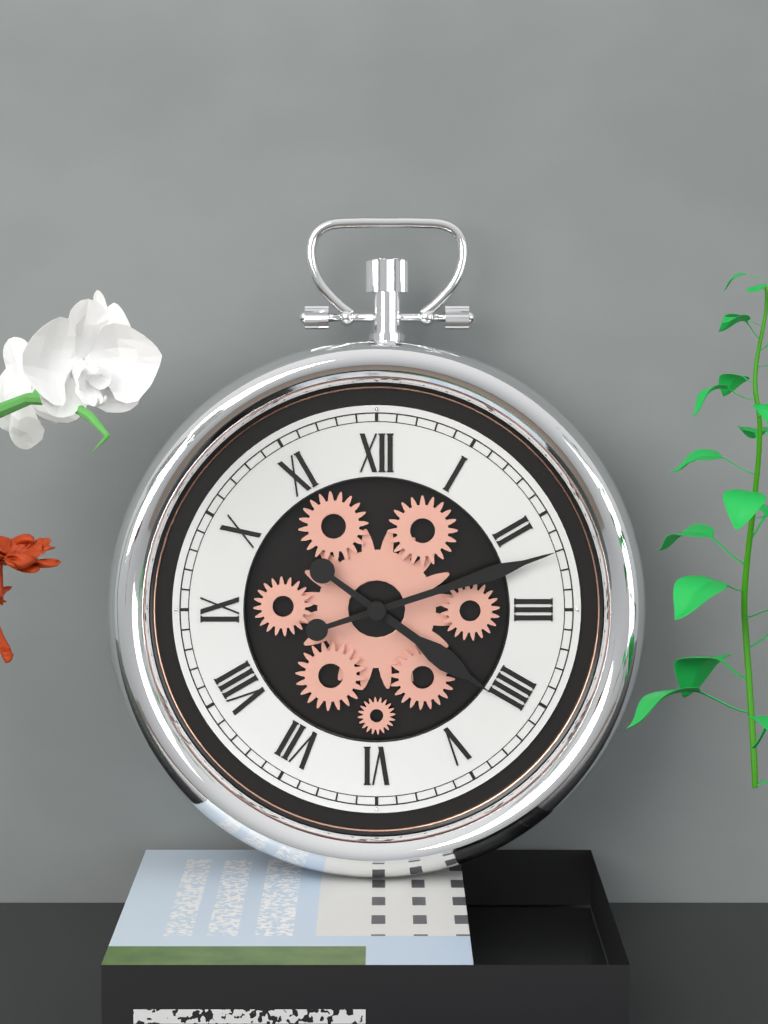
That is h=4 m=12
